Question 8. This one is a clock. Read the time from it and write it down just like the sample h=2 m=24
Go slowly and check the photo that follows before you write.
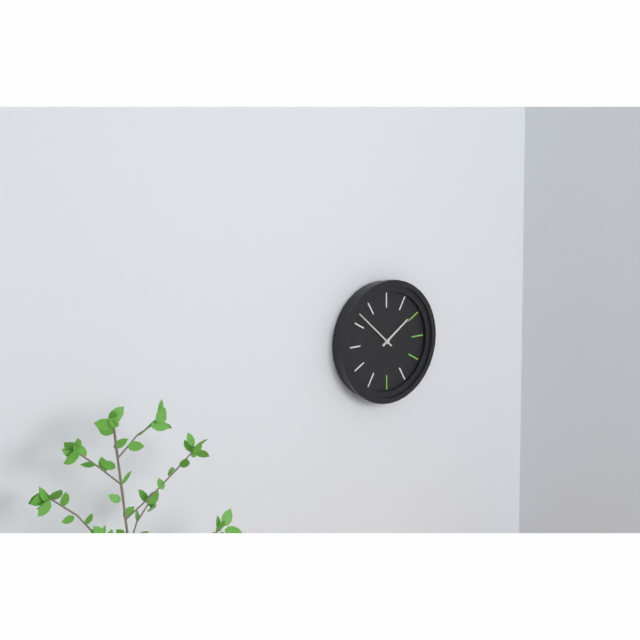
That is h=1 m=52
